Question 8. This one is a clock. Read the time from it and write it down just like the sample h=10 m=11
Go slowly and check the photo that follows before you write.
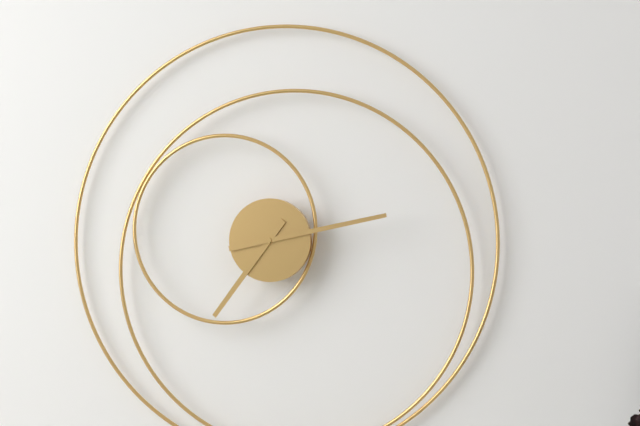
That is h=7 m=13
